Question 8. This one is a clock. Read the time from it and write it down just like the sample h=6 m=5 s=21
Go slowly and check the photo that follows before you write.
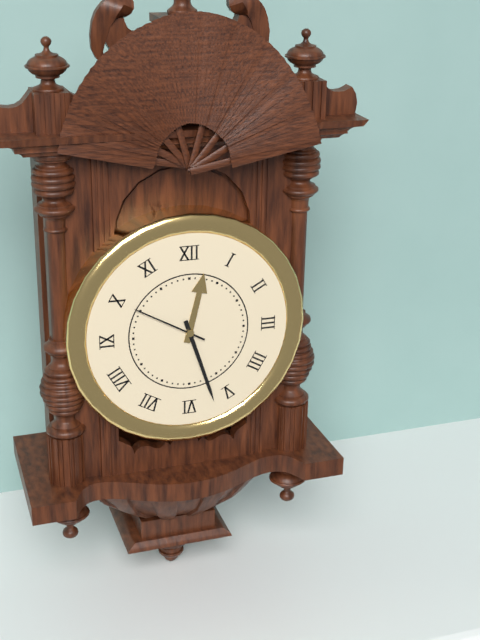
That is h=12 m=27 s=50
